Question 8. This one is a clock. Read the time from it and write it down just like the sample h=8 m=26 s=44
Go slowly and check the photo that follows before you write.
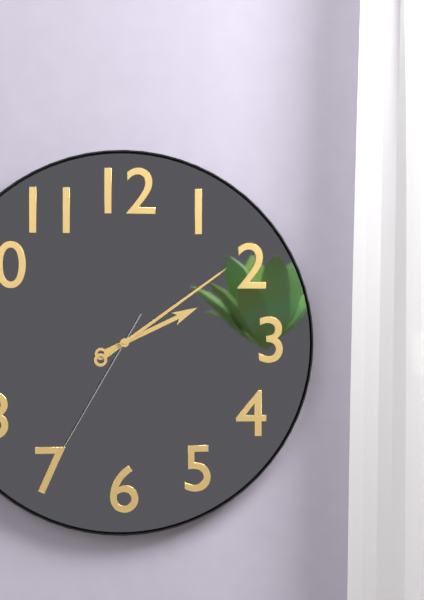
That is h=2 m=9 s=35
